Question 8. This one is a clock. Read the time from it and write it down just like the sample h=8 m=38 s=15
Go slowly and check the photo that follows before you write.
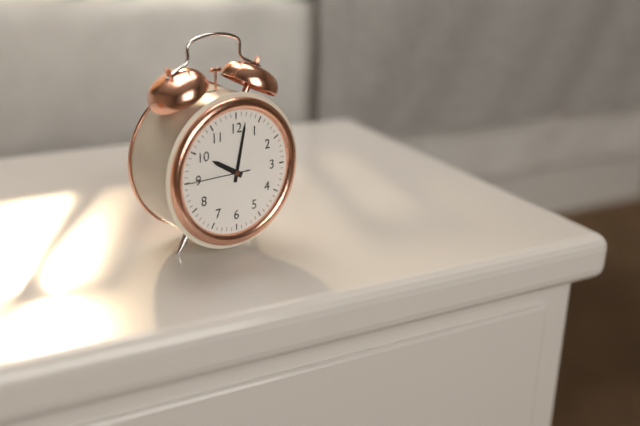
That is h=10 m=2 s=45
